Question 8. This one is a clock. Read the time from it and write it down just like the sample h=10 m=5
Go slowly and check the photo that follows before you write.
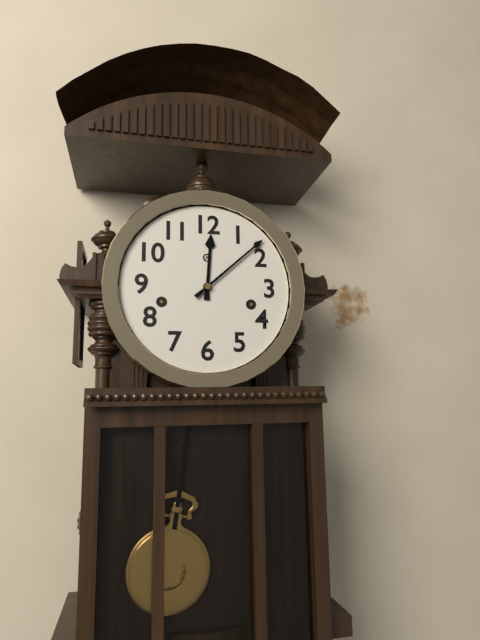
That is h=12 m=8
